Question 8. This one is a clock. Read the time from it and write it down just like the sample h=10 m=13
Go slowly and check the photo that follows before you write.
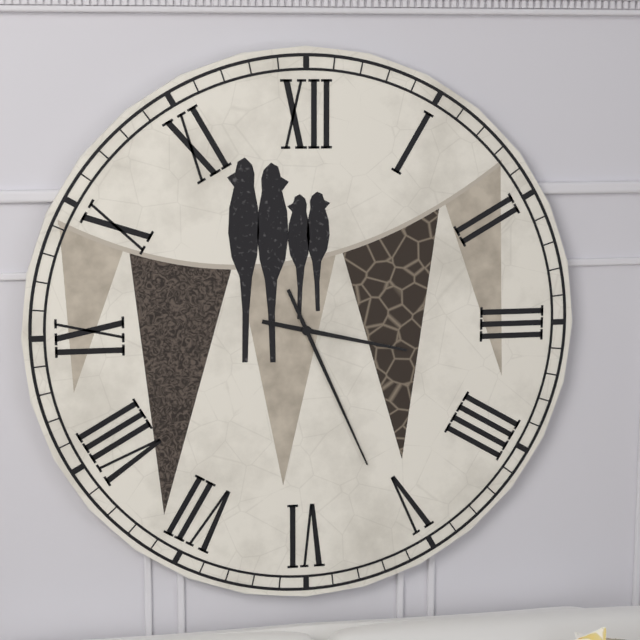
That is h=3 m=26
